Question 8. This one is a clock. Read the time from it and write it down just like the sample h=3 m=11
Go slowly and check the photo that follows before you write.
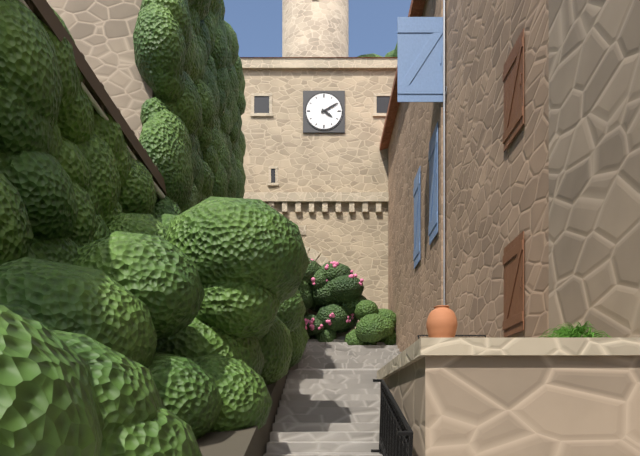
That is h=4 m=10
